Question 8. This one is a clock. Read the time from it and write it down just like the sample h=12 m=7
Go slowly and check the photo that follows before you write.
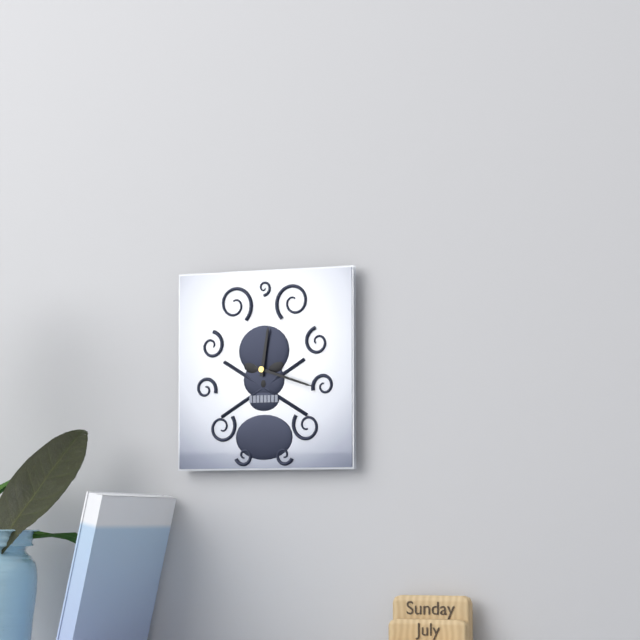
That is h=12 m=18
